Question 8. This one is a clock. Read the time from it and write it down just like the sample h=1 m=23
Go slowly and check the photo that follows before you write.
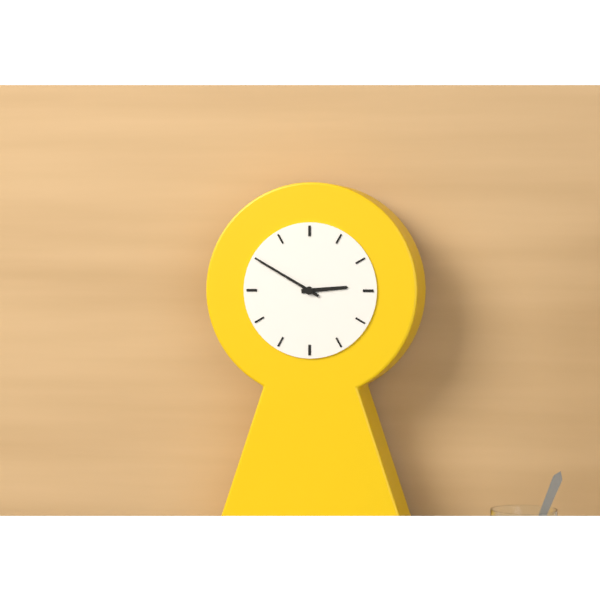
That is h=2 m=50
